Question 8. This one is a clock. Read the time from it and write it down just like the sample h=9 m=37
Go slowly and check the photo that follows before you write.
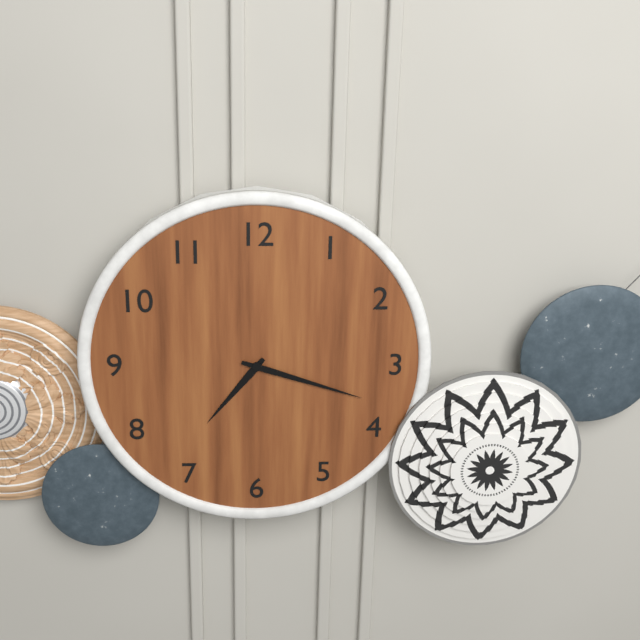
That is h=7 m=18
